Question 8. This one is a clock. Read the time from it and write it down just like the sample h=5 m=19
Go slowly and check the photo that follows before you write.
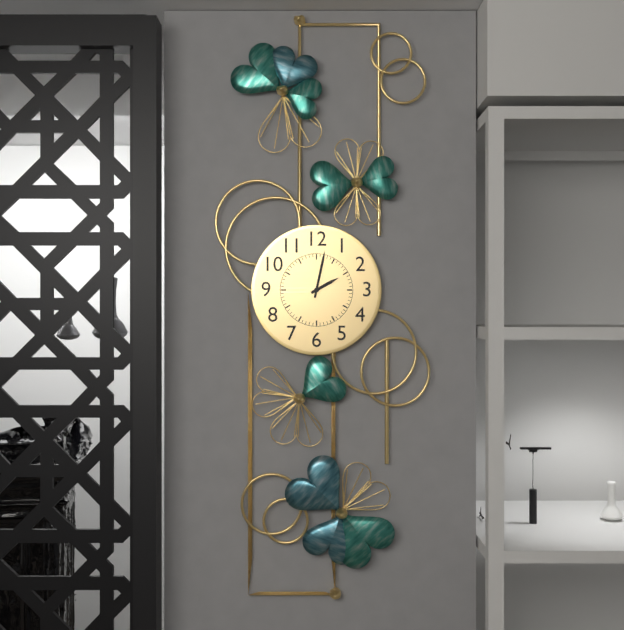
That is h=2 m=2
